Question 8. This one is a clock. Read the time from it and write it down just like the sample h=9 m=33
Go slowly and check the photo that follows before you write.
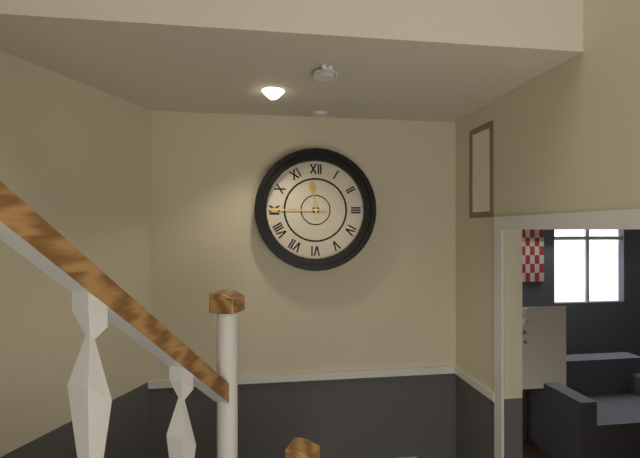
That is h=11 m=45
